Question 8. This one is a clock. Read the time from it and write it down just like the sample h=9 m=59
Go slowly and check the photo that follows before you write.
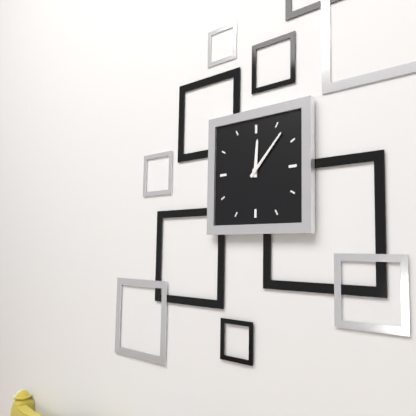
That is h=12 m=7
